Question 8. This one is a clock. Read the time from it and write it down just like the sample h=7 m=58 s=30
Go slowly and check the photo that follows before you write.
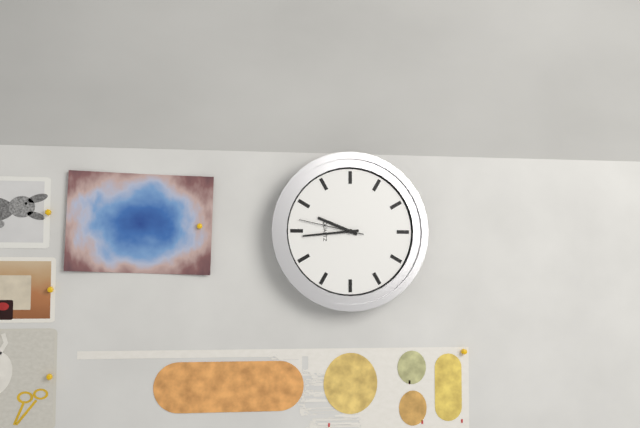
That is h=9 m=44 s=47
